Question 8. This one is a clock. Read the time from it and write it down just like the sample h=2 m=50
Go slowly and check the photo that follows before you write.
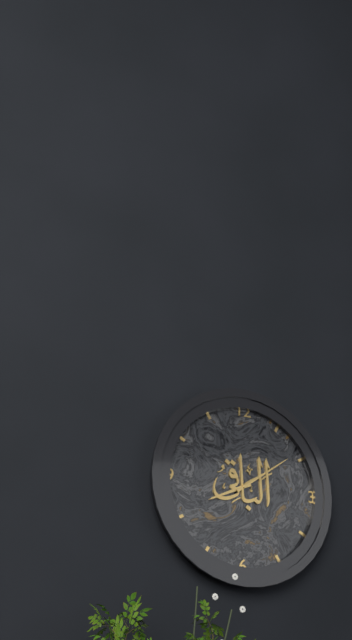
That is h=8 m=9
